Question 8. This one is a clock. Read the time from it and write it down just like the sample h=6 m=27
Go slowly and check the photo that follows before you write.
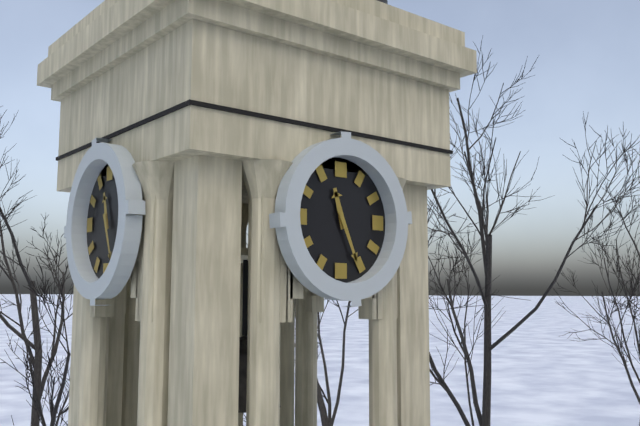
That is h=11 m=26
